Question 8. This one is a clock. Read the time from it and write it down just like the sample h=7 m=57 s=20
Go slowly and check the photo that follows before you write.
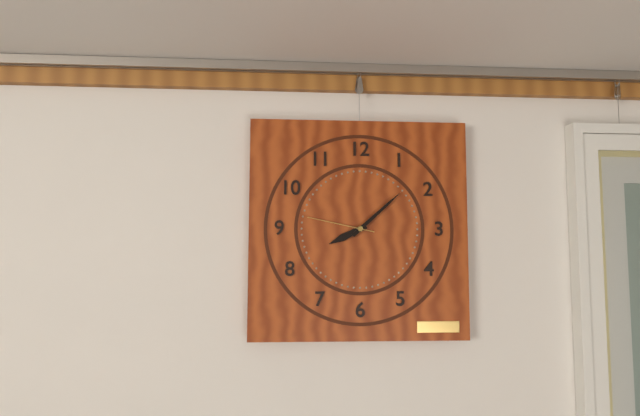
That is h=8 m=8 s=47
